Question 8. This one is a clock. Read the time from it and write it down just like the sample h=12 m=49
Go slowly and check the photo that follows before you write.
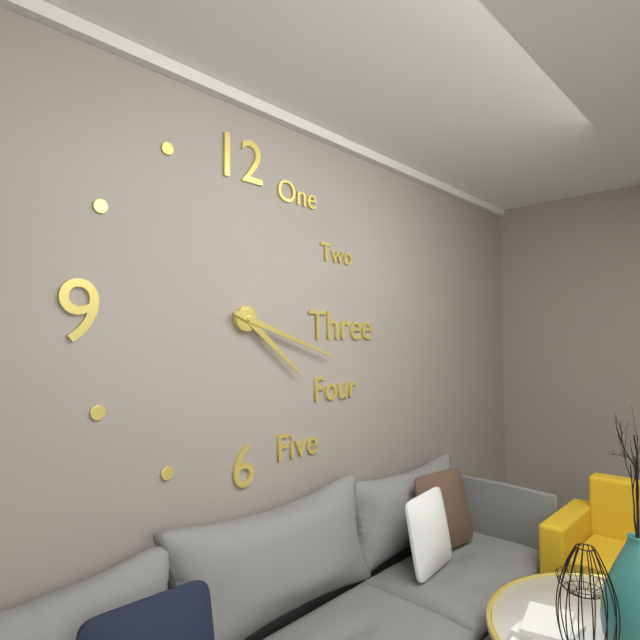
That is h=4 m=18
